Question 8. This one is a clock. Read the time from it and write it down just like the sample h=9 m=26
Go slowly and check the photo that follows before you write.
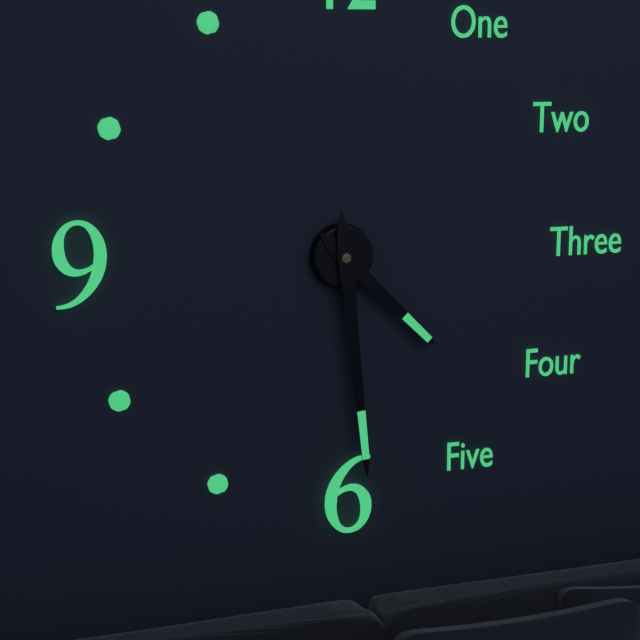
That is h=4 m=29
